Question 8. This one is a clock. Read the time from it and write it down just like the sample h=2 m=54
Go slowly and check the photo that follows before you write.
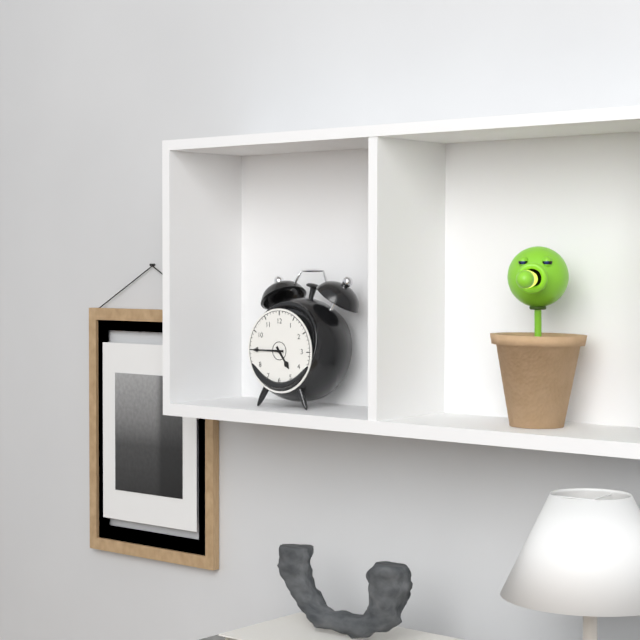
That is h=4 m=45
